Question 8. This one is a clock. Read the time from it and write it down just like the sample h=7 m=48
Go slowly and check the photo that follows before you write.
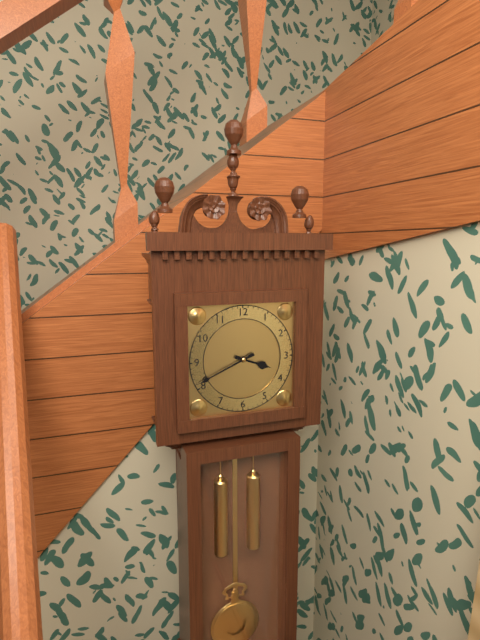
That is h=3 m=41
